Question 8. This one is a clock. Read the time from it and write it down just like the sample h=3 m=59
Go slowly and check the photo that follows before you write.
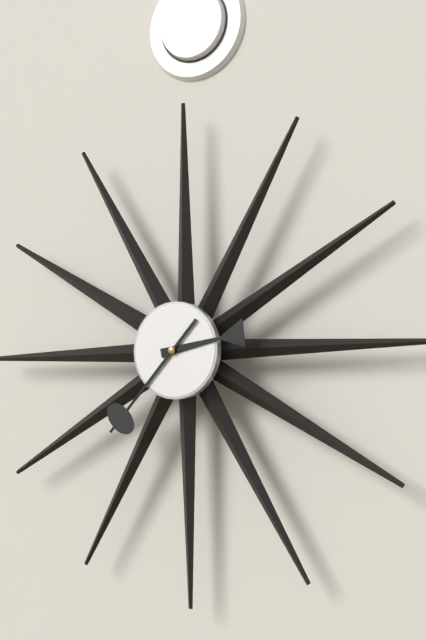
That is h=2 m=37
